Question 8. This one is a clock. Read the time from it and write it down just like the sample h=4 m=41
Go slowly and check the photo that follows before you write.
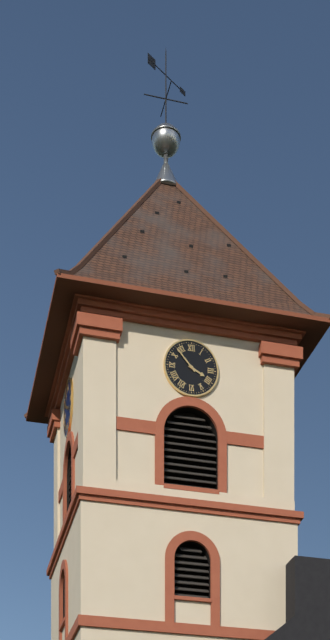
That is h=3 m=53
